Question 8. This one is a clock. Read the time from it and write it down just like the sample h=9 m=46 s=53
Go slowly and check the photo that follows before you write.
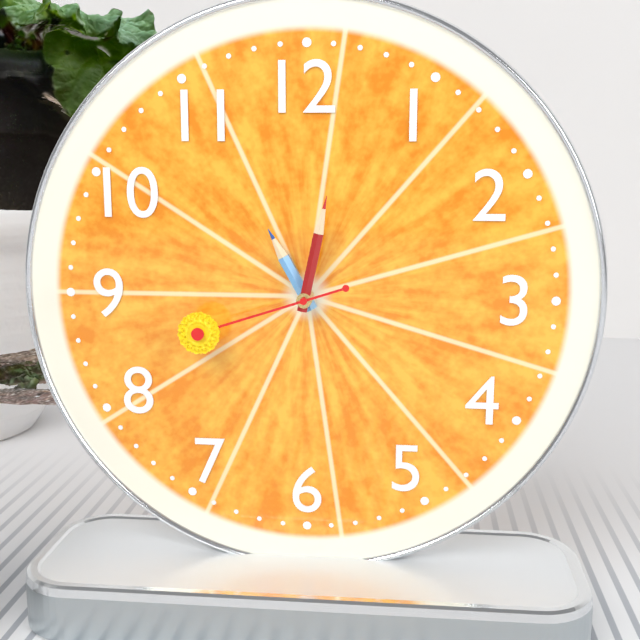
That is h=11 m=2 s=42
